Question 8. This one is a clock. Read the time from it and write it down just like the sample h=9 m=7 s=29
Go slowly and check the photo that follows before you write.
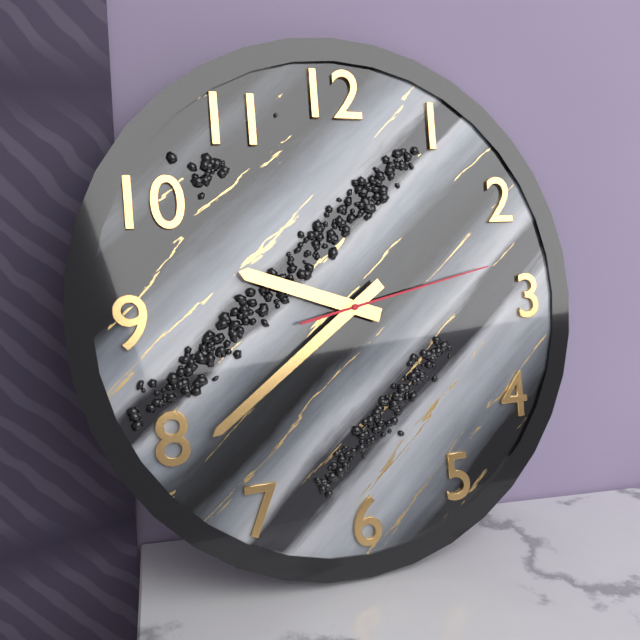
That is h=9 m=39 s=13
